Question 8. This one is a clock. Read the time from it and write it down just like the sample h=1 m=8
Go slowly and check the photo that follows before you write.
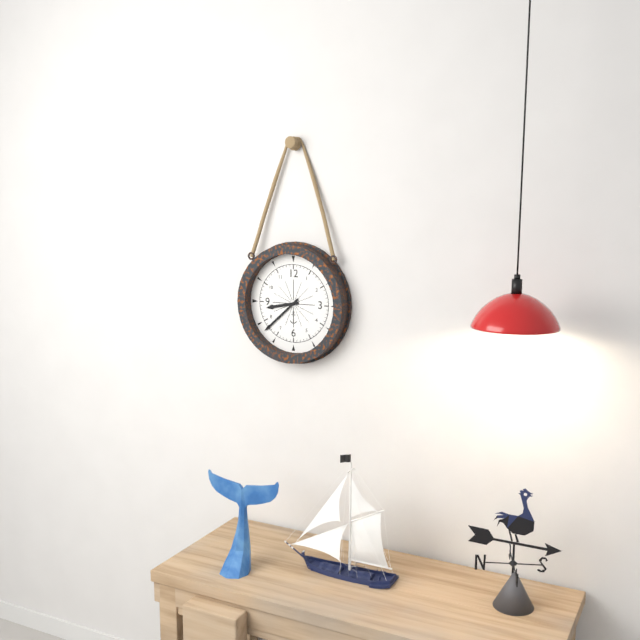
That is h=8 m=38
